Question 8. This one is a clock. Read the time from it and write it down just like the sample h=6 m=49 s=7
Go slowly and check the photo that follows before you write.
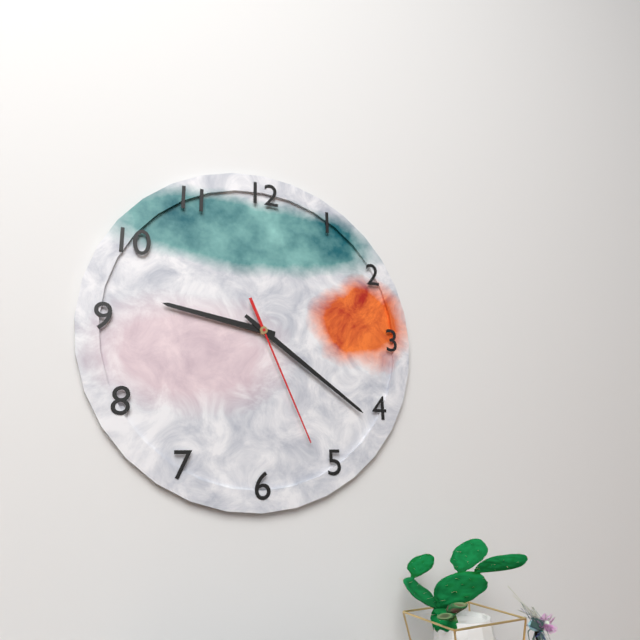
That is h=9 m=21 s=26
